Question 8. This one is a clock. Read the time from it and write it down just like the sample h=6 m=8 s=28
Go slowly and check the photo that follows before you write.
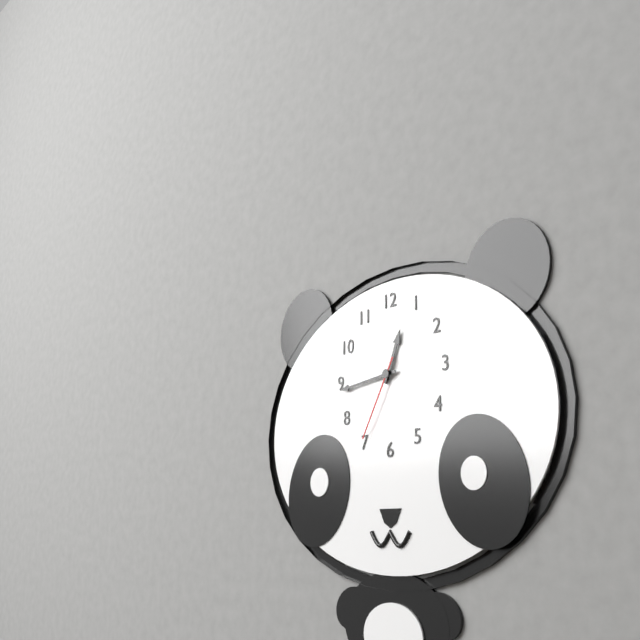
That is h=12 m=44 s=35
